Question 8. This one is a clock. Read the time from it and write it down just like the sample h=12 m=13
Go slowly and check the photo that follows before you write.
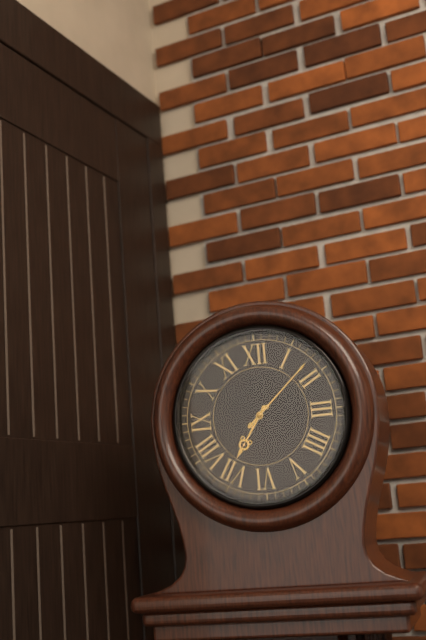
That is h=7 m=8
